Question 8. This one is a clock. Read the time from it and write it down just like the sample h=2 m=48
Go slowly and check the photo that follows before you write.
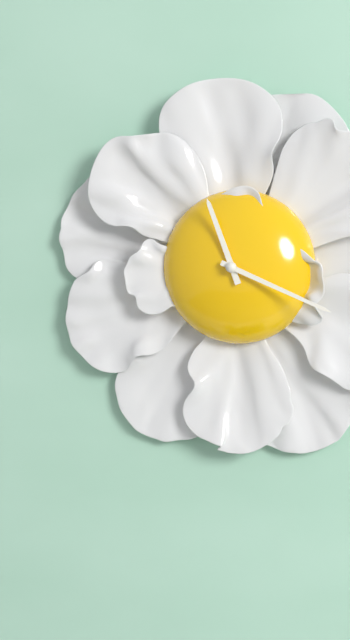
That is h=11 m=19
